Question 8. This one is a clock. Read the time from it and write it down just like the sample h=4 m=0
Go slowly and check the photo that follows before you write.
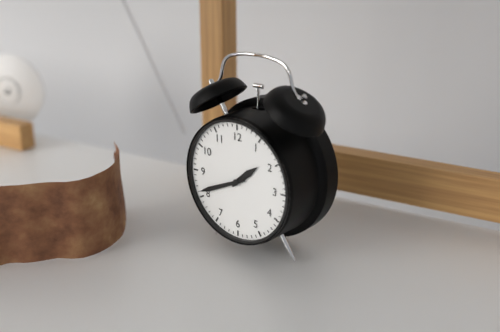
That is h=1 m=41
